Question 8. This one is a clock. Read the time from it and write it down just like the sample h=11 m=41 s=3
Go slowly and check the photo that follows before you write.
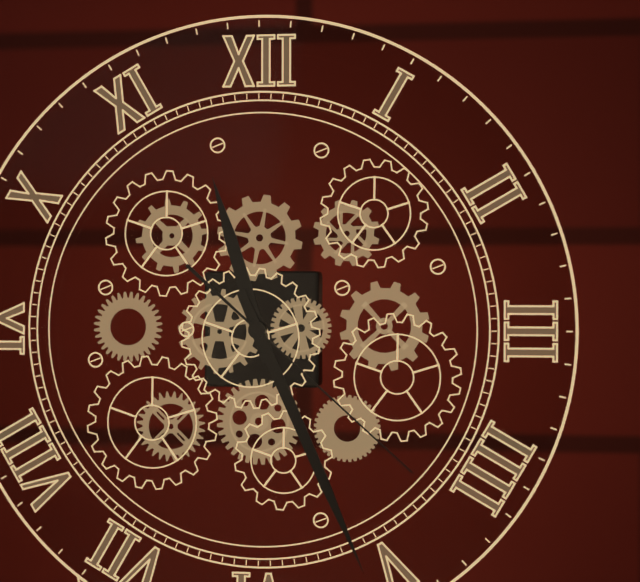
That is h=11 m=26 s=22
